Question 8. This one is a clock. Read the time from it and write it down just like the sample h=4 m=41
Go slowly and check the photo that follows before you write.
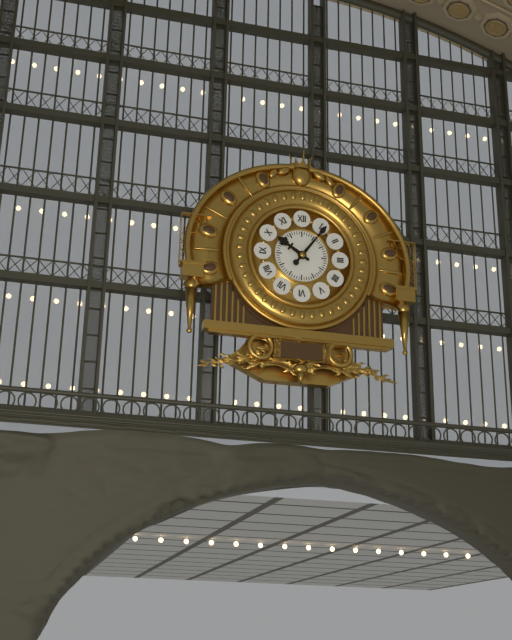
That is h=10 m=6
